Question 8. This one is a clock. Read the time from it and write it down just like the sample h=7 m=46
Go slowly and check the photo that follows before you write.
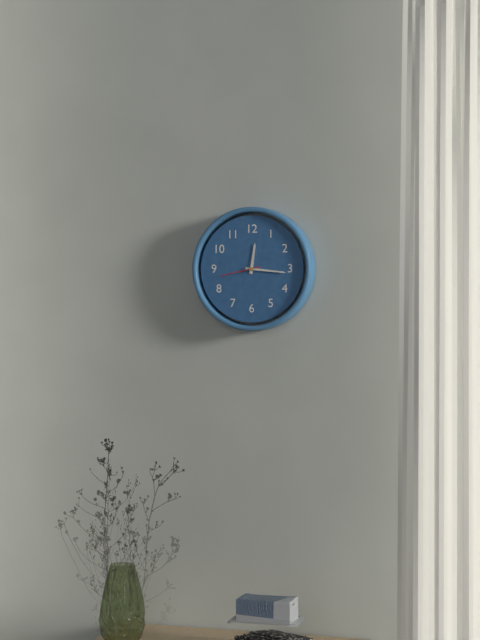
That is h=12 m=16
